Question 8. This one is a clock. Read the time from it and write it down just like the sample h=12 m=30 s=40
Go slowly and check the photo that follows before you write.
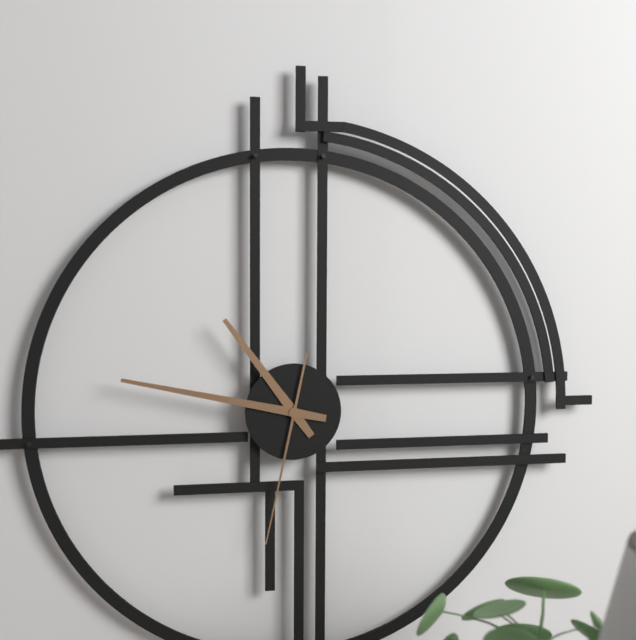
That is h=10 m=47 s=32
